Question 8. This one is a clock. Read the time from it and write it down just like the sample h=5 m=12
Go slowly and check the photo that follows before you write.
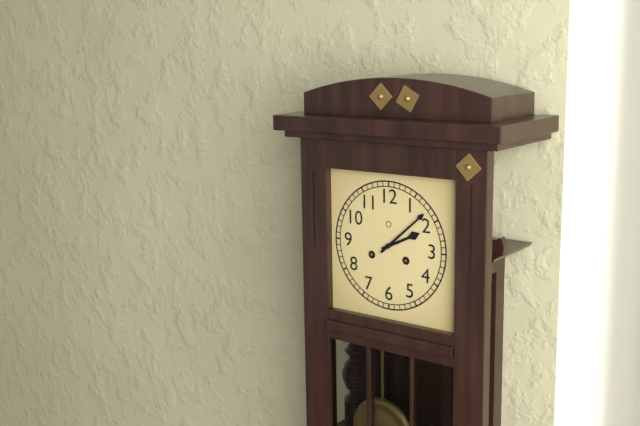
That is h=2 m=8
